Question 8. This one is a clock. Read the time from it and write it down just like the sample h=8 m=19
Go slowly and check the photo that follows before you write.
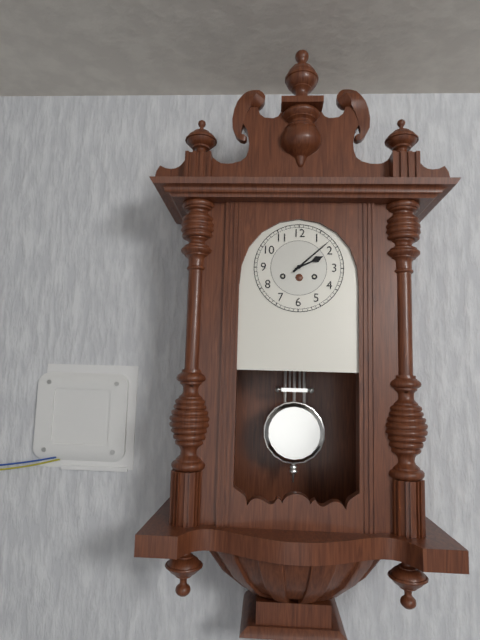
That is h=2 m=8
